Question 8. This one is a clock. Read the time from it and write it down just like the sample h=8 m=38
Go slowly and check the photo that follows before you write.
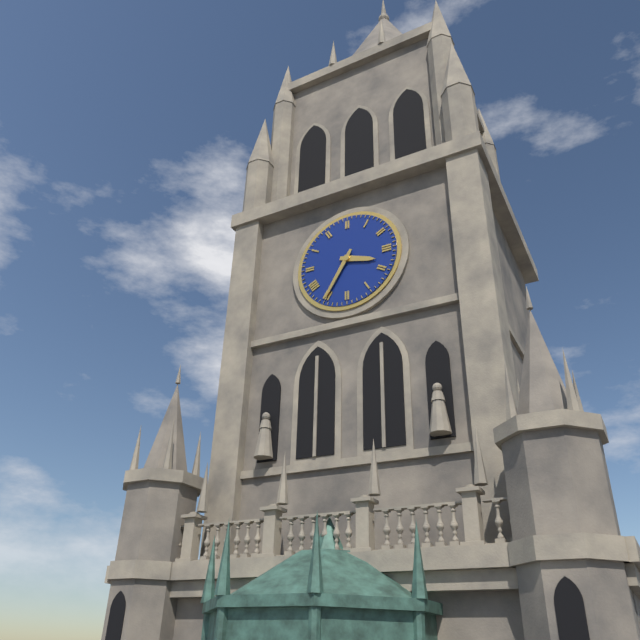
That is h=3 m=35
